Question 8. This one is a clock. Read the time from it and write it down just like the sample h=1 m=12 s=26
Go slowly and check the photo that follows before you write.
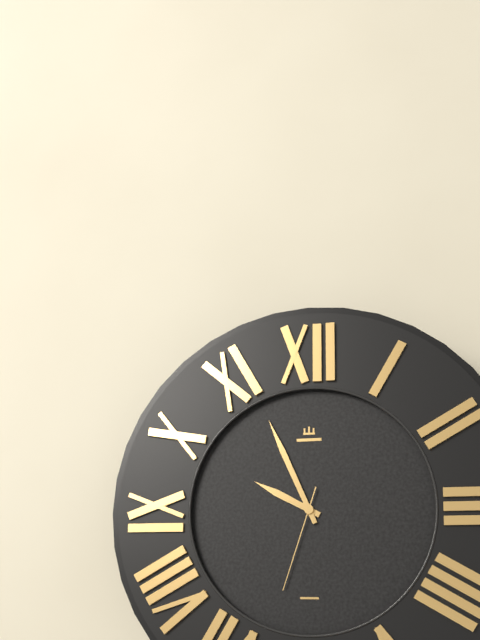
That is h=9 m=56 s=33
